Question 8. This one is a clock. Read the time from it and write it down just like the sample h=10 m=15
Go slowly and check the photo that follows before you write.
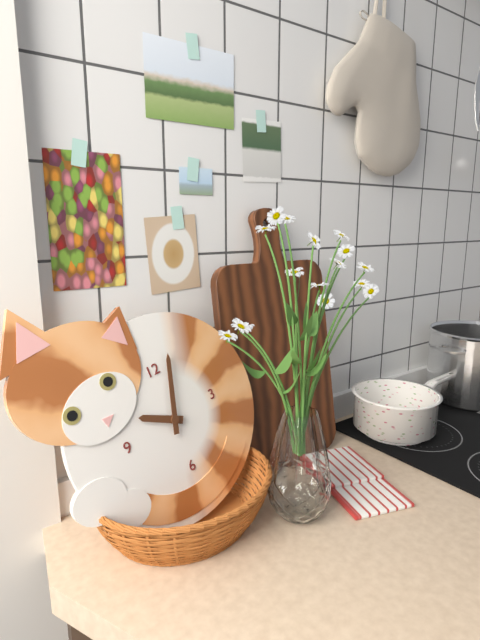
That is h=10 m=3
